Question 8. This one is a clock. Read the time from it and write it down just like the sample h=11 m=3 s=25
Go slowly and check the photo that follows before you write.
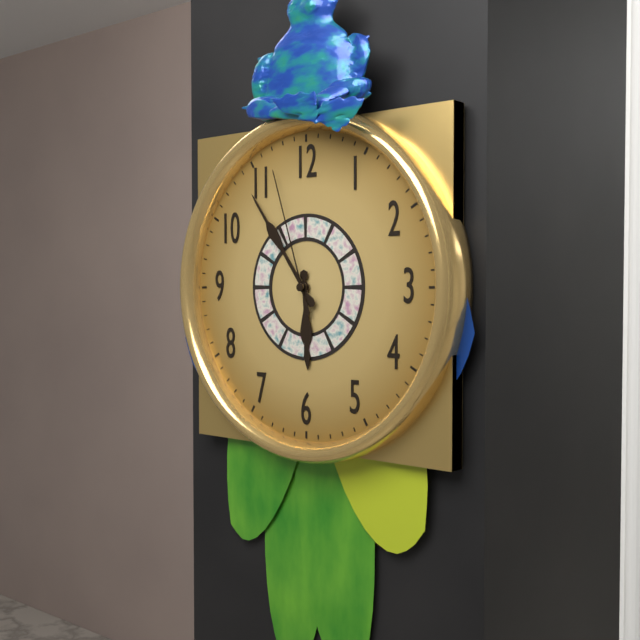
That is h=5 m=54 s=57
